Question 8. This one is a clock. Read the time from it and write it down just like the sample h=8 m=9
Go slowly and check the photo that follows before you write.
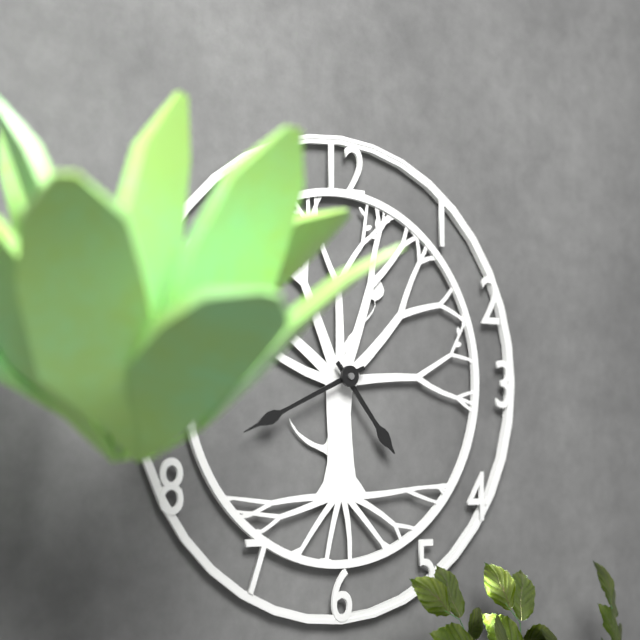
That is h=4 m=41
